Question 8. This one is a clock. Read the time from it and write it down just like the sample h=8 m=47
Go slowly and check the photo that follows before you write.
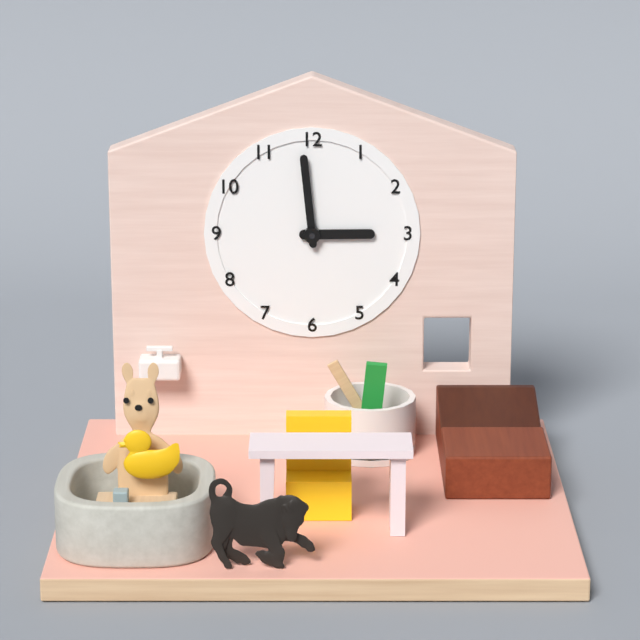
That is h=2 m=59
